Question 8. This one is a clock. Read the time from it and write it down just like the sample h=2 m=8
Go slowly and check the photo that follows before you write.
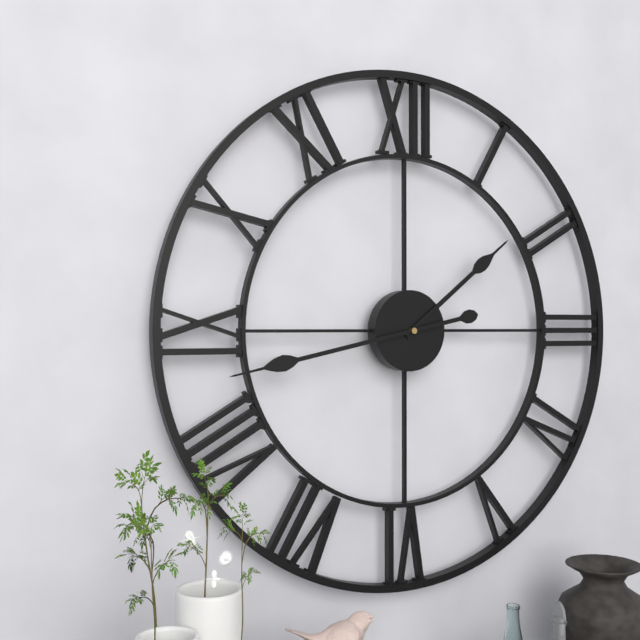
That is h=1 m=43
